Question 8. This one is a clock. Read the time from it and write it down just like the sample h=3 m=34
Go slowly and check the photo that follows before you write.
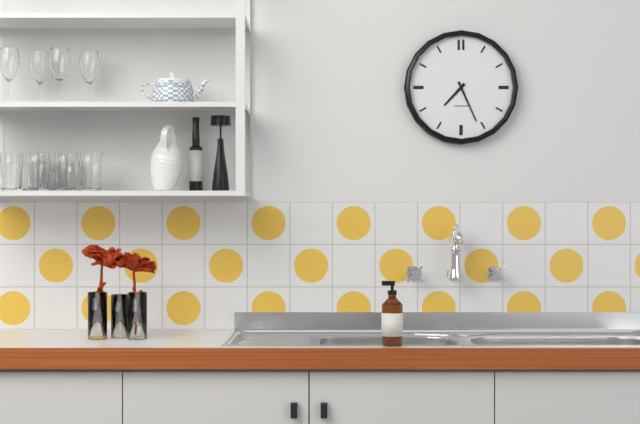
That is h=7 m=26
